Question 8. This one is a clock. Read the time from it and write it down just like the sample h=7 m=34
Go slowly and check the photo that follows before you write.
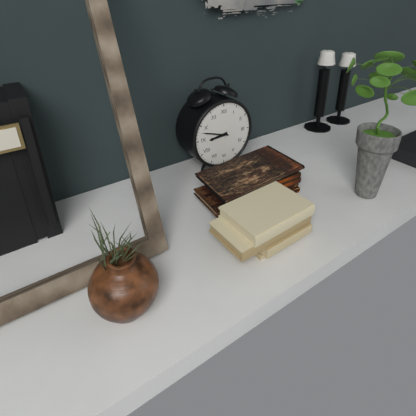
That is h=8 m=48
